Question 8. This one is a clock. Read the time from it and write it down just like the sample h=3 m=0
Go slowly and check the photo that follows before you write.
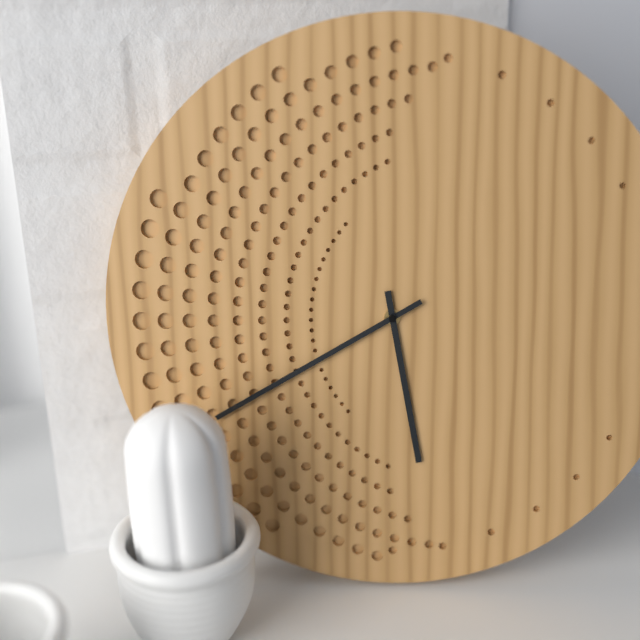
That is h=5 m=40
